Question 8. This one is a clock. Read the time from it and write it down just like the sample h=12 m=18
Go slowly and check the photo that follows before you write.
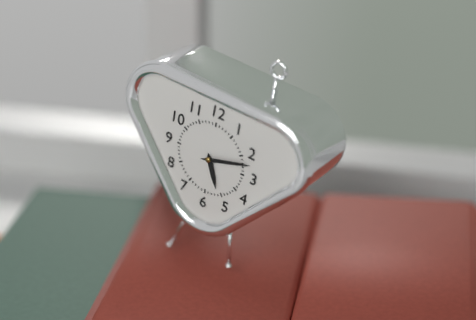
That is h=5 m=12
